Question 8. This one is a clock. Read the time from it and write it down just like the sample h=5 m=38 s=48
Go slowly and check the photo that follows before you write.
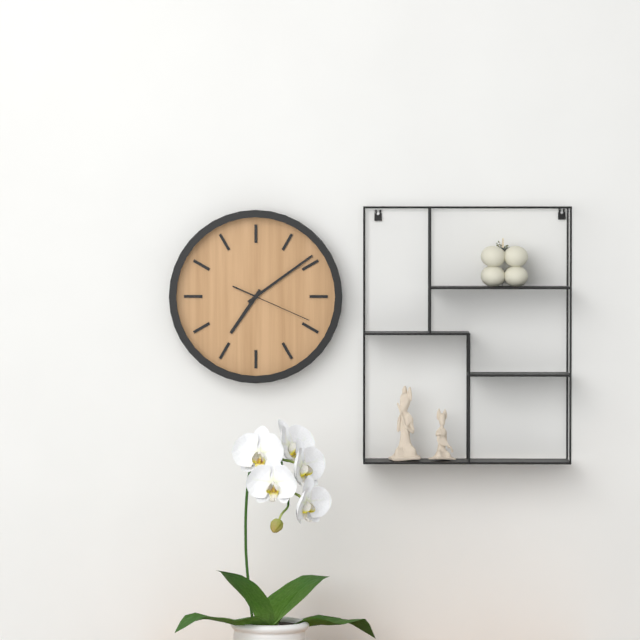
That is h=7 m=9 s=19
